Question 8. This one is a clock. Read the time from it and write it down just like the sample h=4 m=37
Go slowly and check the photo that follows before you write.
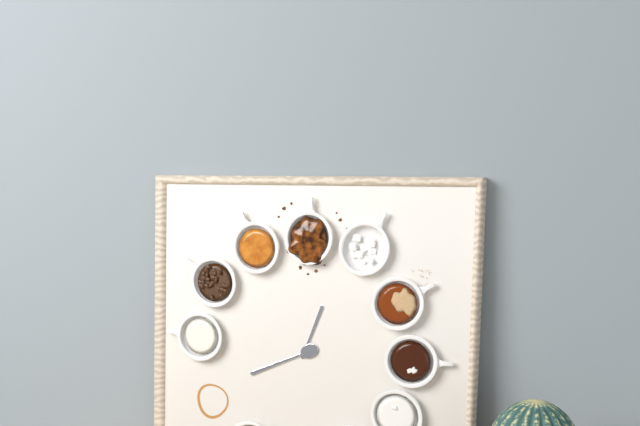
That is h=12 m=41
